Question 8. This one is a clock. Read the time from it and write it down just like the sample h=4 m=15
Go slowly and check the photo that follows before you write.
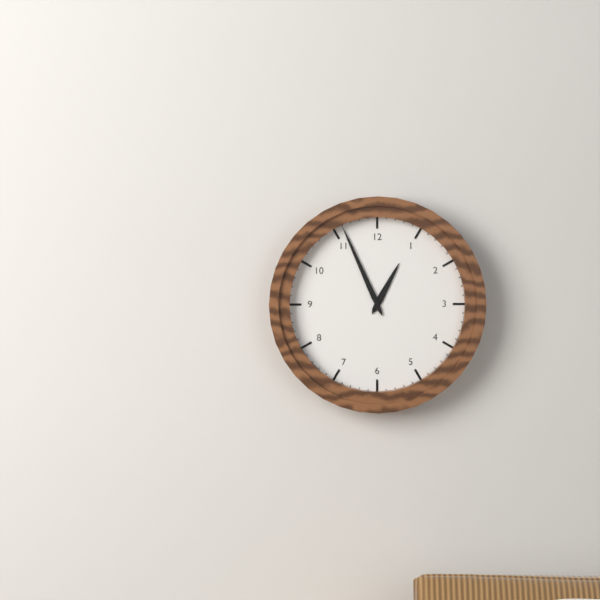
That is h=12 m=56
